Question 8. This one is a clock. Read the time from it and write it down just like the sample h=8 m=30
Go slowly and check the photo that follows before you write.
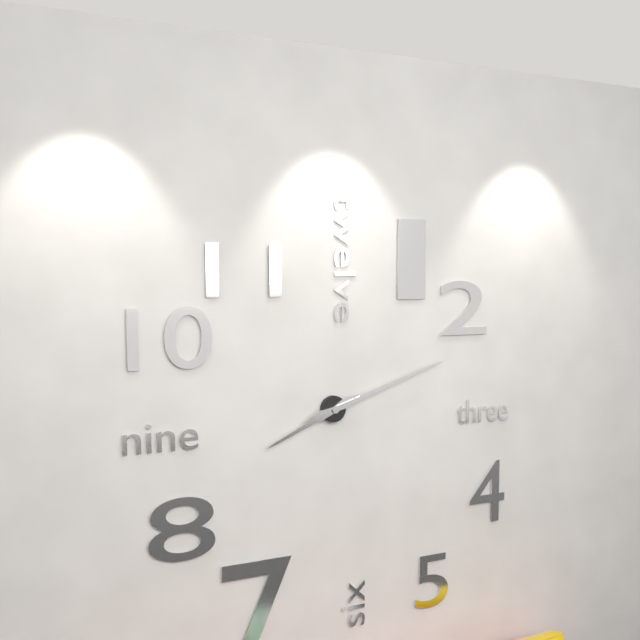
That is h=8 m=12
